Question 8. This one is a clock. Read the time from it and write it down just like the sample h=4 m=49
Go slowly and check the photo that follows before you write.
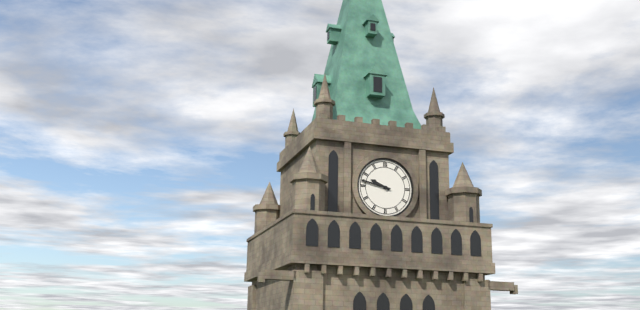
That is h=9 m=47
